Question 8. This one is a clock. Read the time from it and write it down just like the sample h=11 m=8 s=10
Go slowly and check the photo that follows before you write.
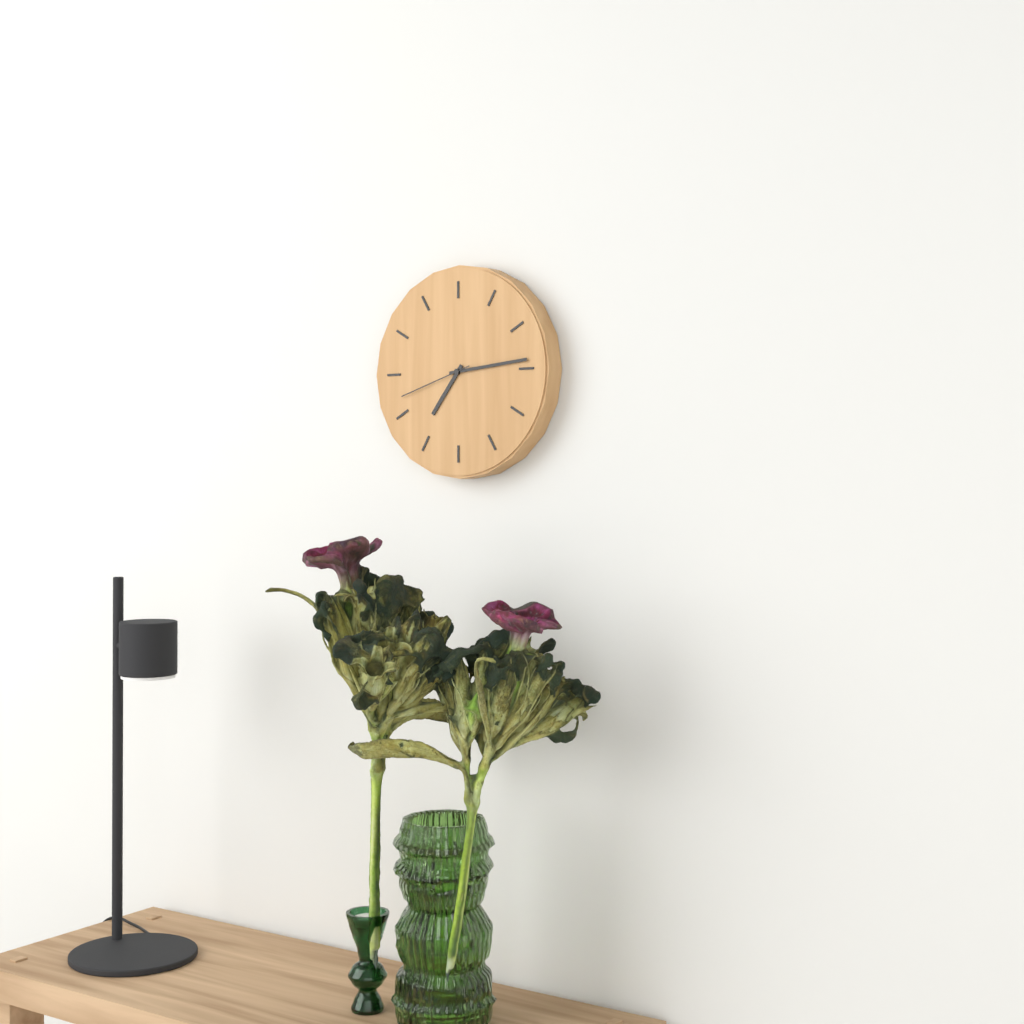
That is h=7 m=14 s=42
